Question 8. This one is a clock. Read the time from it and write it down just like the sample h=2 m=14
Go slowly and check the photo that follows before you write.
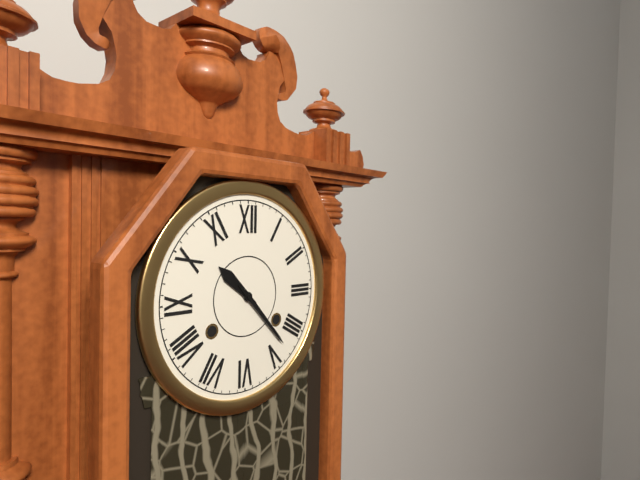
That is h=10 m=23
